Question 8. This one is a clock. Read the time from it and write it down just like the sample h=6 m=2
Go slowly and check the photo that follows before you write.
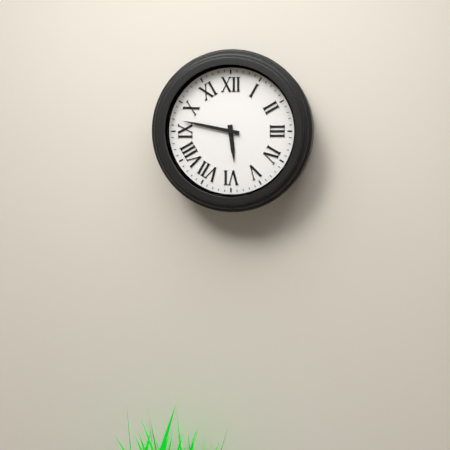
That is h=5 m=47
